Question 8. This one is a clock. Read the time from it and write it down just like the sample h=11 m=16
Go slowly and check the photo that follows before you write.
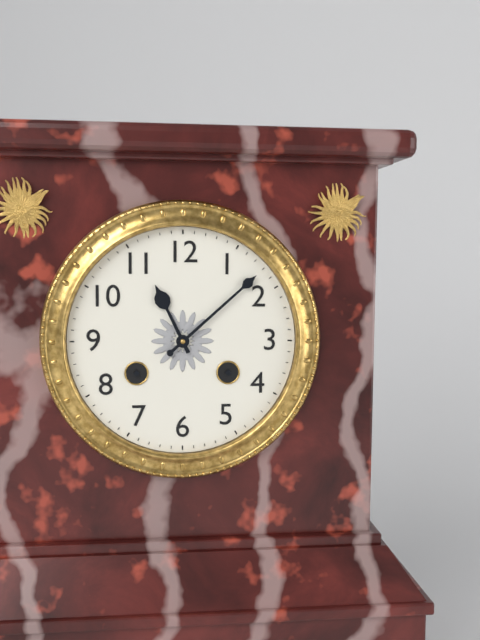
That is h=11 m=8
